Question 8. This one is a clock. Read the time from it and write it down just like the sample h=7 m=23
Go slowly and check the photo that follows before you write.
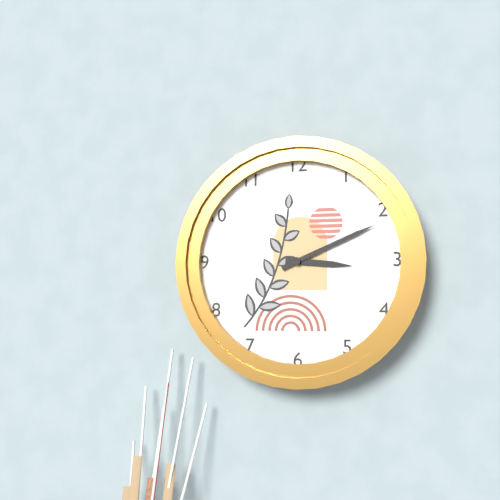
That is h=3 m=11
